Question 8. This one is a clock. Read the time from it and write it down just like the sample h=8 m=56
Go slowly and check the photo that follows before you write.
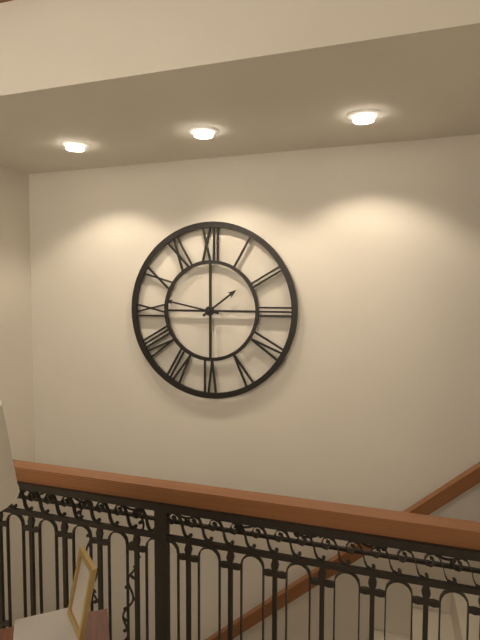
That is h=1 m=47
